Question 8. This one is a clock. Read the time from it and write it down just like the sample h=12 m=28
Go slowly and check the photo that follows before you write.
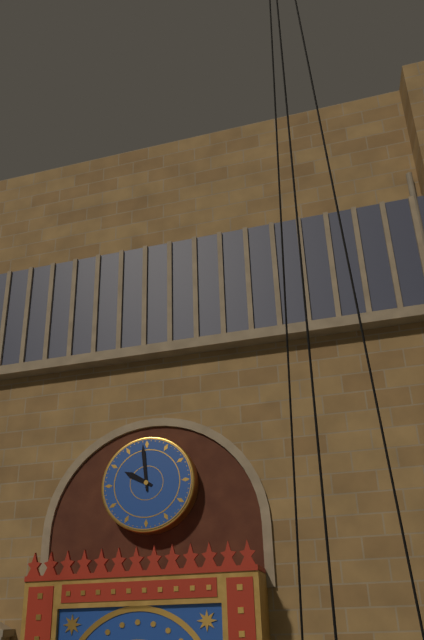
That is h=9 m=59
